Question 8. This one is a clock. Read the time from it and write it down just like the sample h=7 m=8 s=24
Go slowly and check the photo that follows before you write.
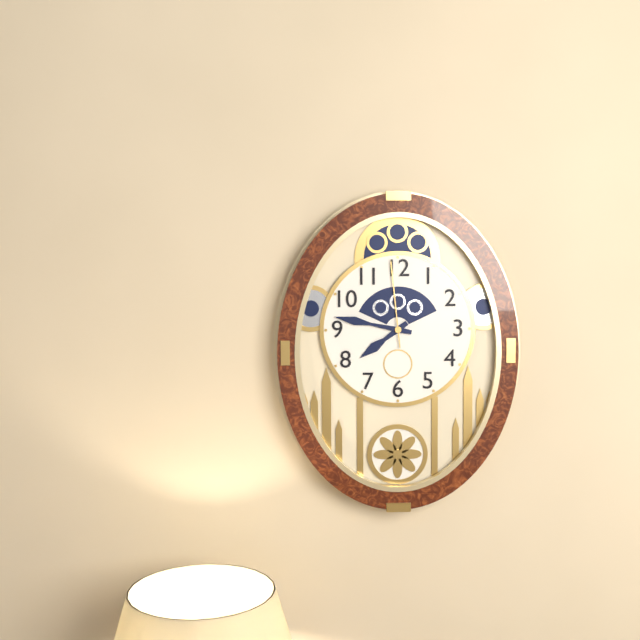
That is h=7 m=47 s=59
